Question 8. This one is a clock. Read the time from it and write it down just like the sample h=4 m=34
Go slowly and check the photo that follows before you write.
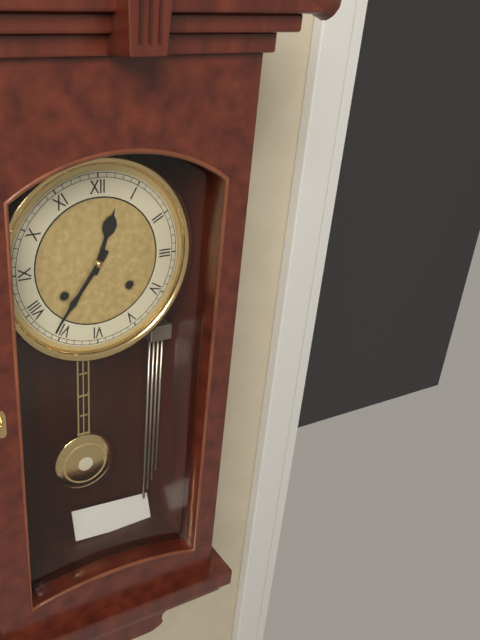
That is h=12 m=36
